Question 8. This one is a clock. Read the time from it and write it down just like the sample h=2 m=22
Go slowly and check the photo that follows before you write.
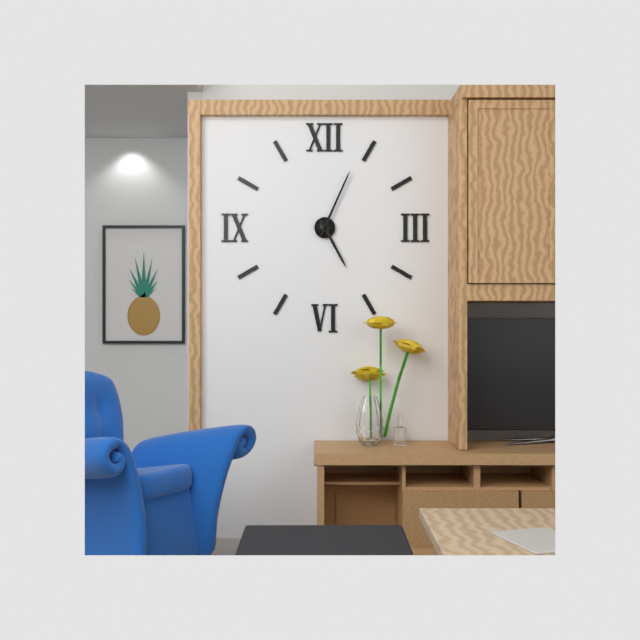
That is h=5 m=4
